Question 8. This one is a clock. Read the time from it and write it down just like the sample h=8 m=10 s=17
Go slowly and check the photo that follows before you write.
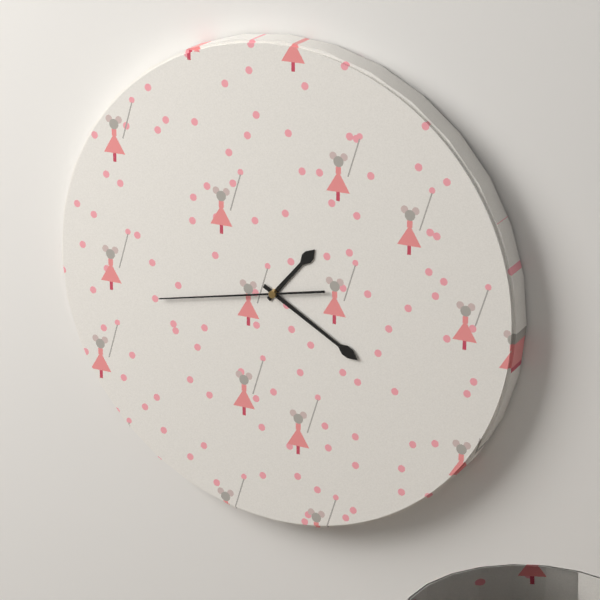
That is h=1 m=20 s=43
